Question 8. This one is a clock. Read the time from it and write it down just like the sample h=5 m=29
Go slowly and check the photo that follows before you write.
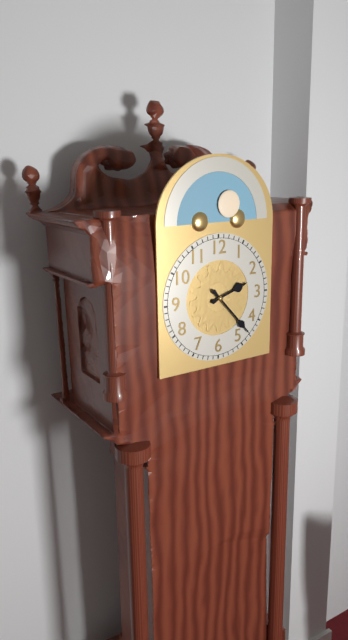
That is h=2 m=23
